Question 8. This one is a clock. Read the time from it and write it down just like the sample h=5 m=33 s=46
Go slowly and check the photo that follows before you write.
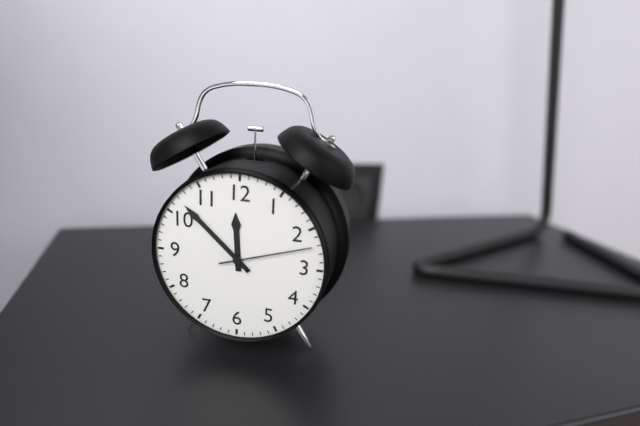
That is h=11 m=52 s=12
